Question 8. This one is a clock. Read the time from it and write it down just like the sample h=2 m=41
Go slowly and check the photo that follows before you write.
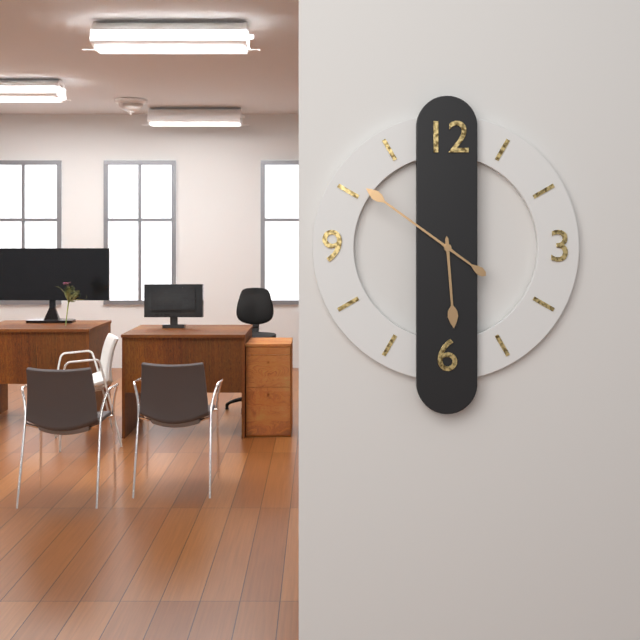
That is h=5 m=51
